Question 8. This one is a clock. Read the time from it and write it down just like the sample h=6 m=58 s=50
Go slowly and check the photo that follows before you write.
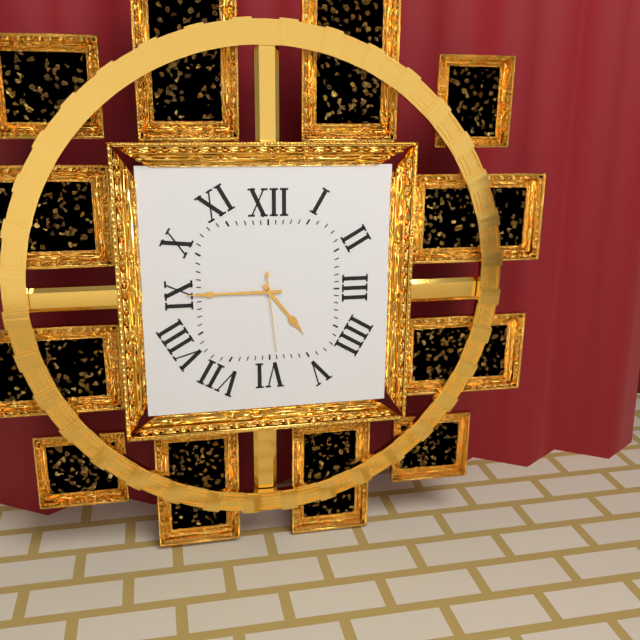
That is h=4 m=45 s=29
